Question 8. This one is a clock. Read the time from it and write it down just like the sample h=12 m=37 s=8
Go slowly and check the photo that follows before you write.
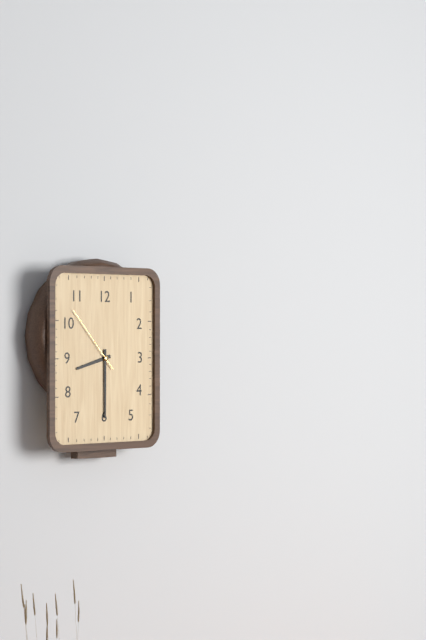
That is h=8 m=30 s=53
